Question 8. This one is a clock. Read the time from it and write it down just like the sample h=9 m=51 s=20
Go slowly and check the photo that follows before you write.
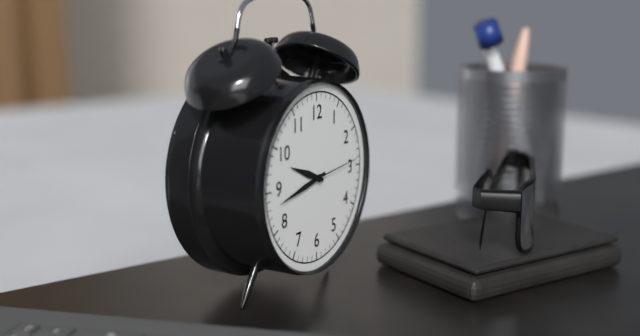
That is h=9 m=43 s=14
